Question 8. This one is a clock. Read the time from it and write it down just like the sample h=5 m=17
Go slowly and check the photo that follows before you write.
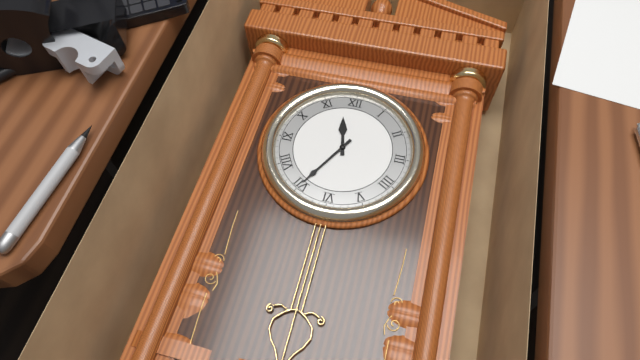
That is h=11 m=35
